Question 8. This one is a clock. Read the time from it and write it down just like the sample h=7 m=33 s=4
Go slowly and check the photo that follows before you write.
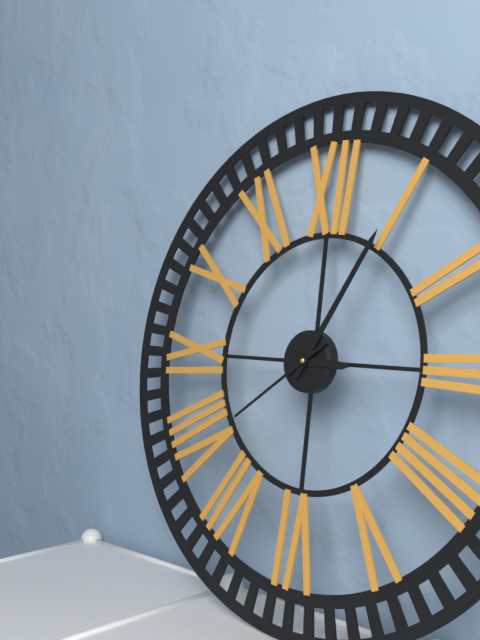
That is h=3 m=5 s=39
